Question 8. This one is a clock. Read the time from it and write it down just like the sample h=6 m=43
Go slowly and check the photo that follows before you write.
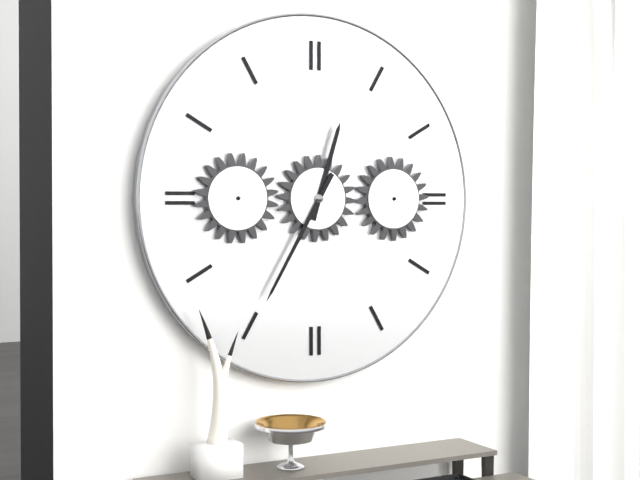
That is h=12 m=35
